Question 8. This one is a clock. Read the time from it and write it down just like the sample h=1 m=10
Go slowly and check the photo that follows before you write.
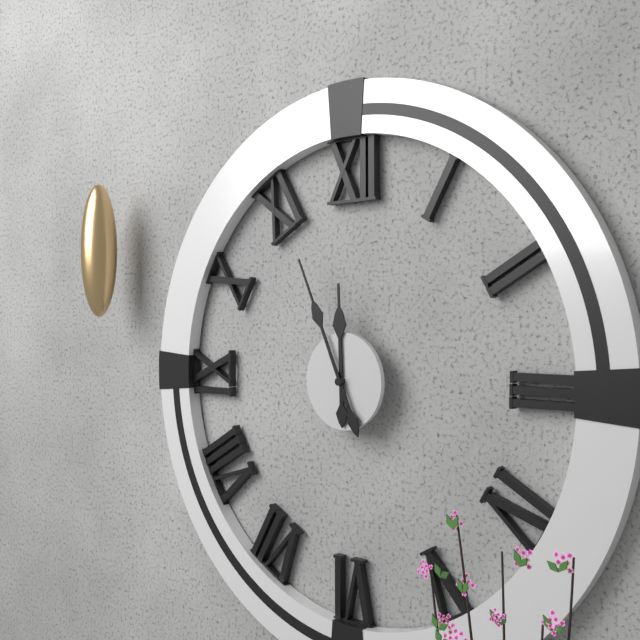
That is h=11 m=56
